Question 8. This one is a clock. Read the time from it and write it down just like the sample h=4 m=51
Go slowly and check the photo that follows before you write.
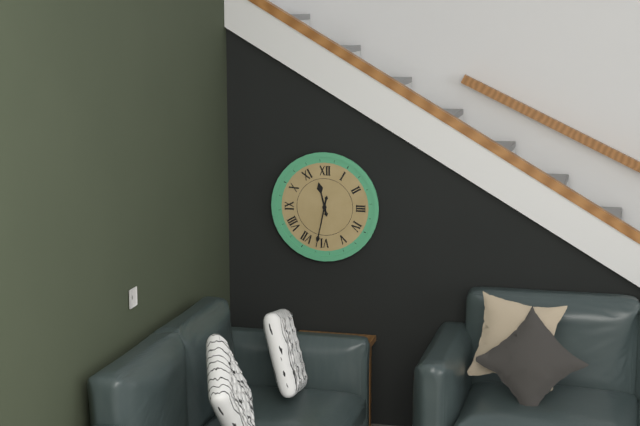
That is h=11 m=32
